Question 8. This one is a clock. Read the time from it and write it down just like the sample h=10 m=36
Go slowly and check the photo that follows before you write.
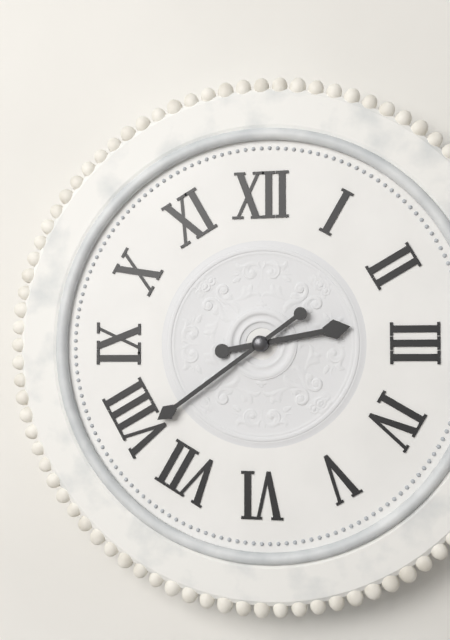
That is h=2 m=39
